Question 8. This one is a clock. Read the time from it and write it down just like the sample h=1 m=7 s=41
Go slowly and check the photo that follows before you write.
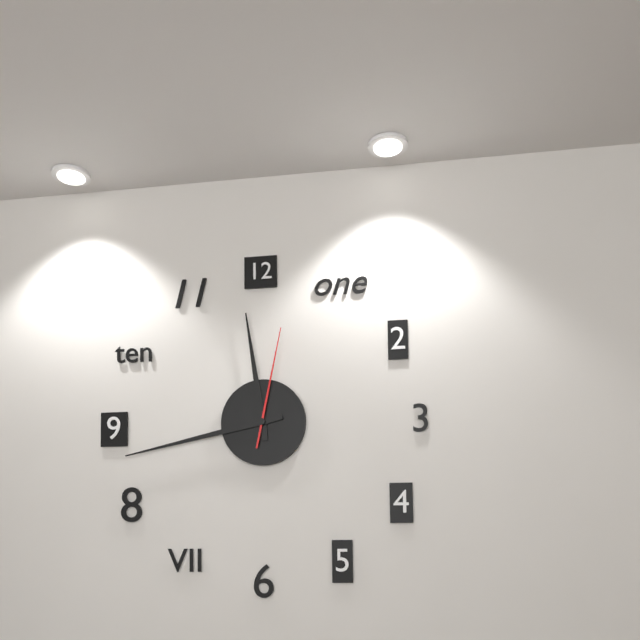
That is h=11 m=43 s=2
